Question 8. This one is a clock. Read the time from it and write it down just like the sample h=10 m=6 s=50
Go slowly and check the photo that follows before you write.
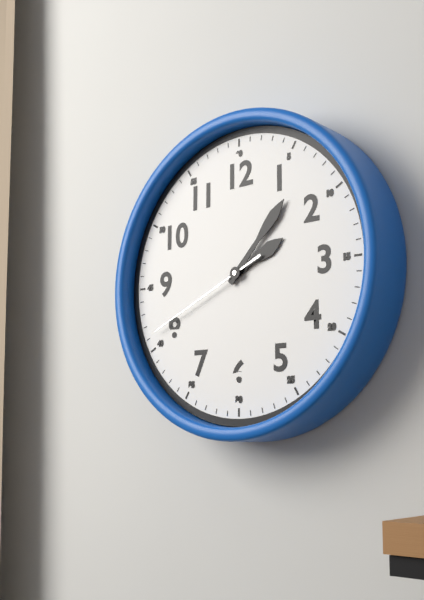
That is h=2 m=7 s=41
